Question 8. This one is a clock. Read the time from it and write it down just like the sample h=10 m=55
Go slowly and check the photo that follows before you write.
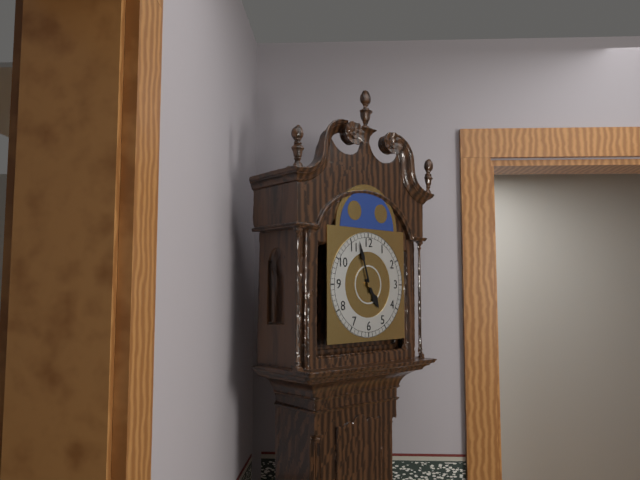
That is h=4 m=57
